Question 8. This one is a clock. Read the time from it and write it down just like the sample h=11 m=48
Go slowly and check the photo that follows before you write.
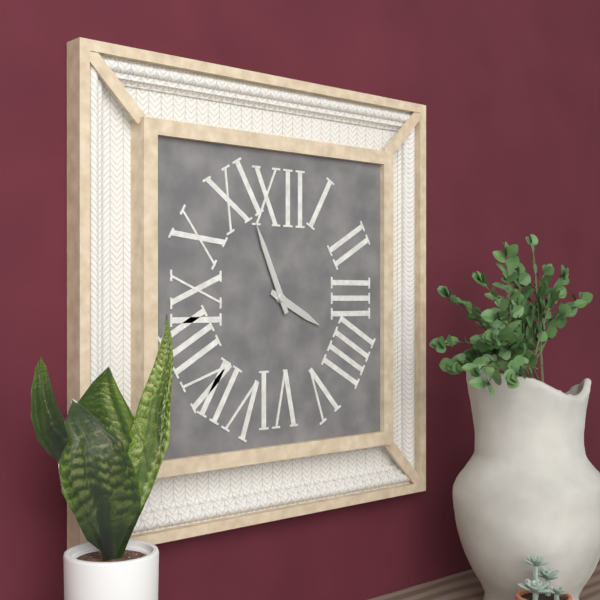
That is h=3 m=56
